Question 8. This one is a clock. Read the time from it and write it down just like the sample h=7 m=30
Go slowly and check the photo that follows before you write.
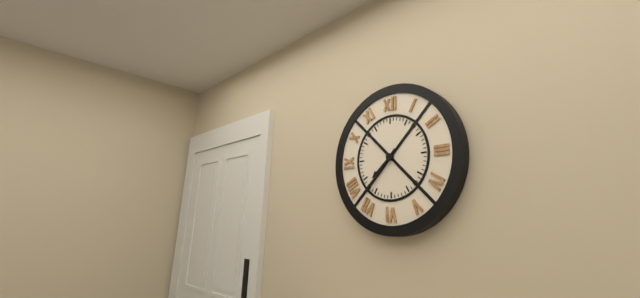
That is h=7 m=37
